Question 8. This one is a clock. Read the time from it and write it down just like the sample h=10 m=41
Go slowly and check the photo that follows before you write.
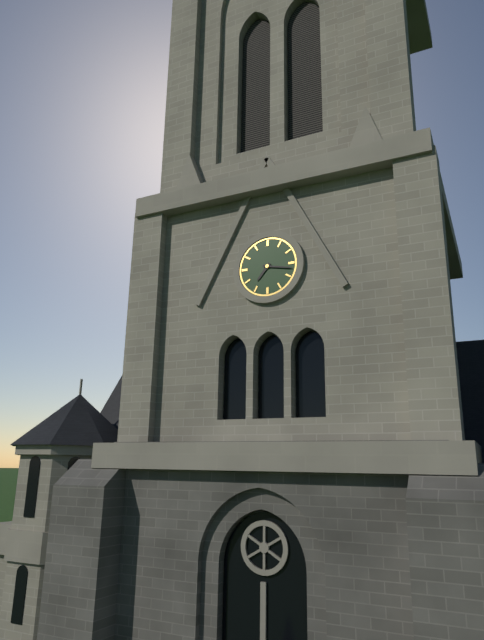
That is h=7 m=17
